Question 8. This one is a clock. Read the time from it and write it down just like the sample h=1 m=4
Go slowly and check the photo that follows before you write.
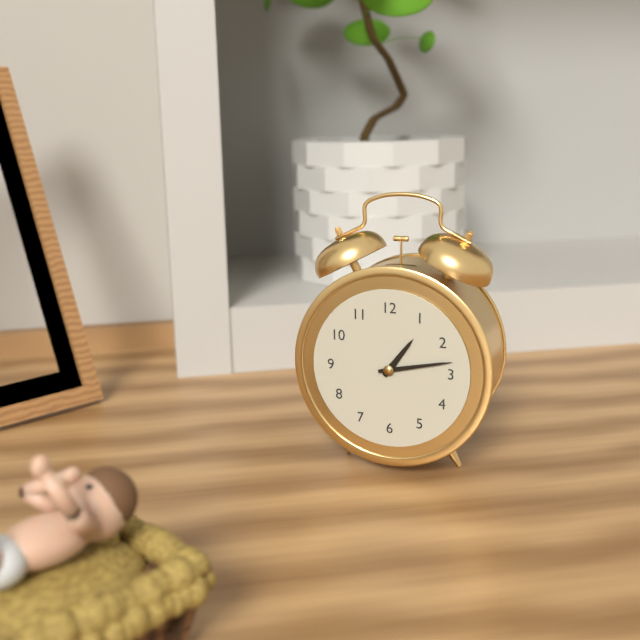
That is h=1 m=13
